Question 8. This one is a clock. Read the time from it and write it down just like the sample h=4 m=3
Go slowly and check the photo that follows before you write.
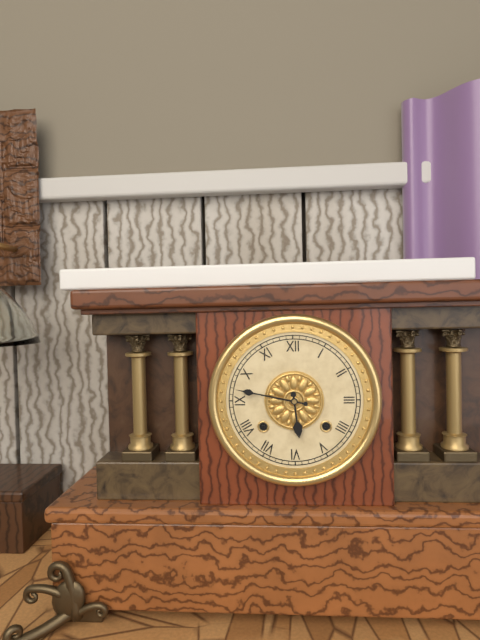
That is h=5 m=47
